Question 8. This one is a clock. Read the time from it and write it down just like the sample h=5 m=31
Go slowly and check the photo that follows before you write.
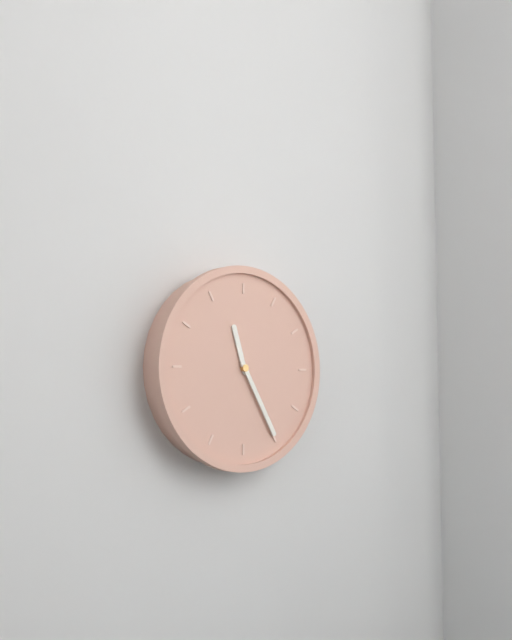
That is h=11 m=25
